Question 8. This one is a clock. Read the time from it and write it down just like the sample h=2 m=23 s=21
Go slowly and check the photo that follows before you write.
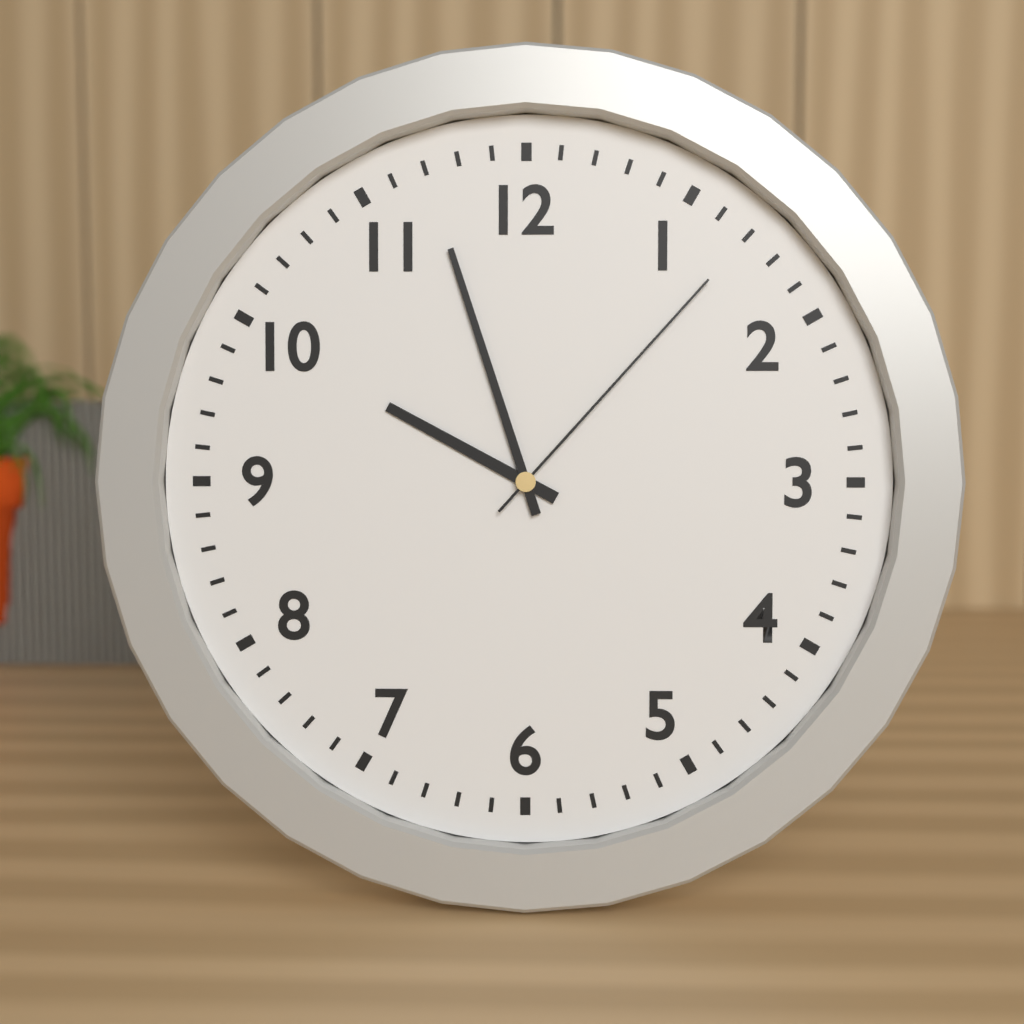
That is h=9 m=57 s=7
